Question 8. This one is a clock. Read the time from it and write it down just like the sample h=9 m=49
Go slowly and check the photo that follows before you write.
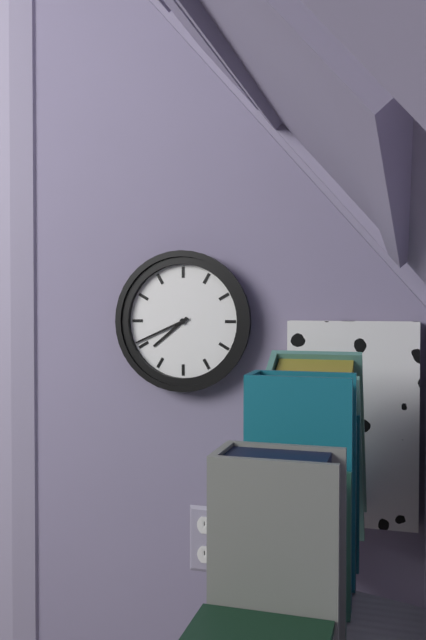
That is h=7 m=41
